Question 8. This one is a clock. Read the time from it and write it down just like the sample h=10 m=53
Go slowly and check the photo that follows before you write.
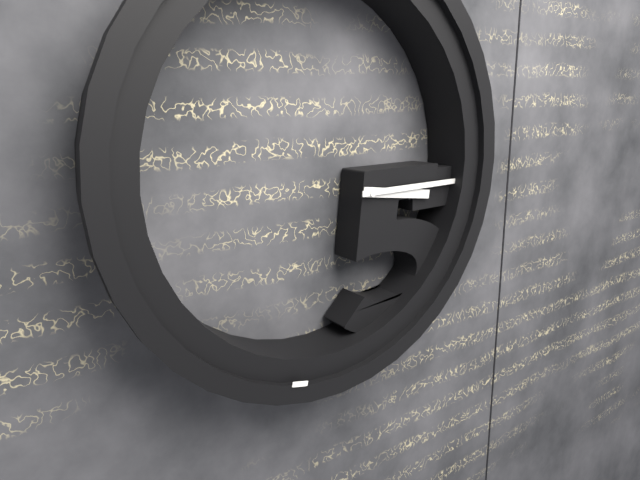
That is h=3 m=15
